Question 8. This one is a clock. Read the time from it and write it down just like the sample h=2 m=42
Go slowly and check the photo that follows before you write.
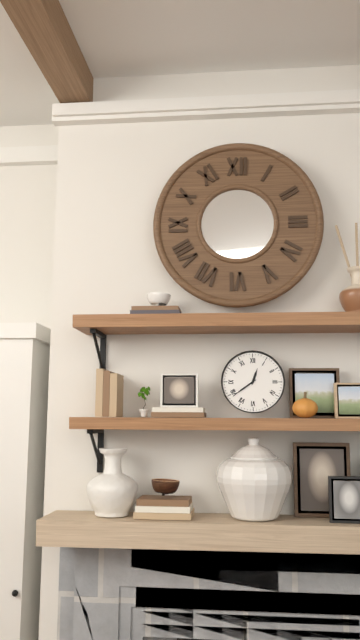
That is h=12 m=39
